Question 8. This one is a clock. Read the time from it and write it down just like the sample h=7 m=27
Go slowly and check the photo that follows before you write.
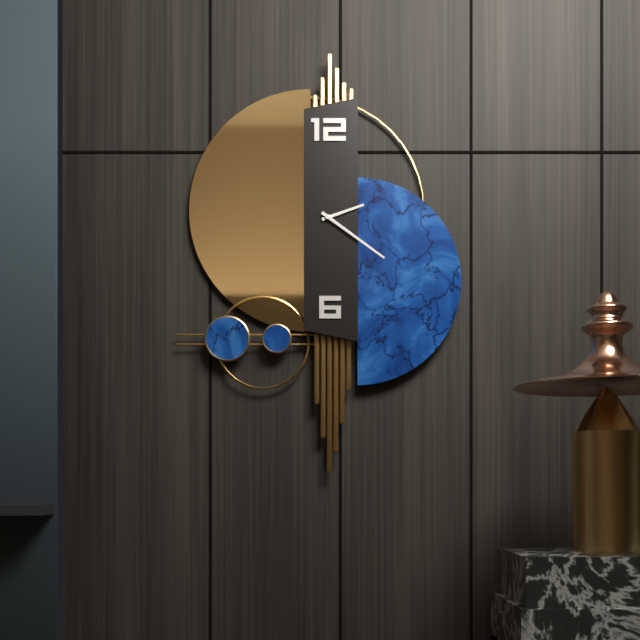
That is h=2 m=21
